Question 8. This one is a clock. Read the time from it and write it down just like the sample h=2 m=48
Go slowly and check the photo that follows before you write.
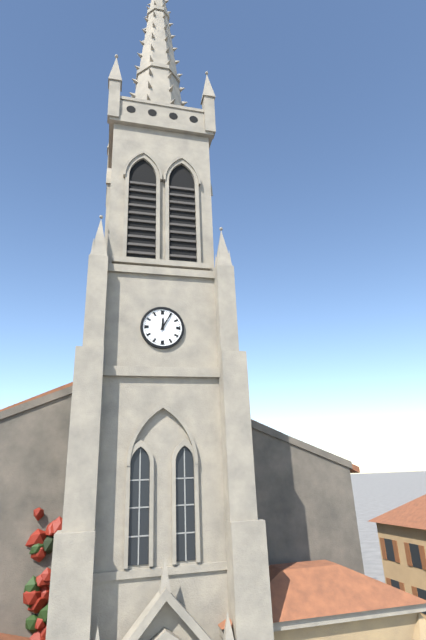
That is h=12 m=5
